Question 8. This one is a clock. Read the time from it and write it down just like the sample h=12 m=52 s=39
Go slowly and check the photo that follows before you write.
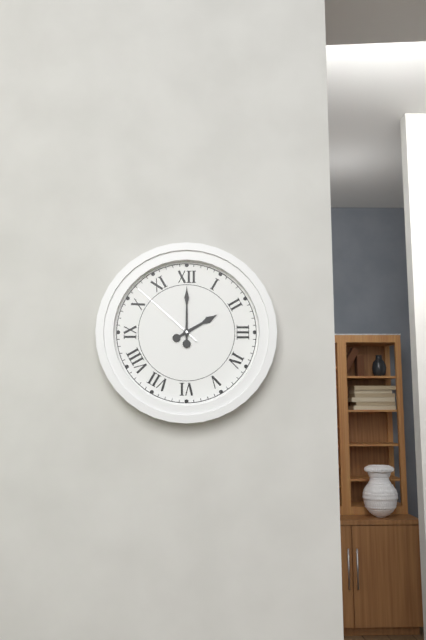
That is h=2 m=0 s=52
